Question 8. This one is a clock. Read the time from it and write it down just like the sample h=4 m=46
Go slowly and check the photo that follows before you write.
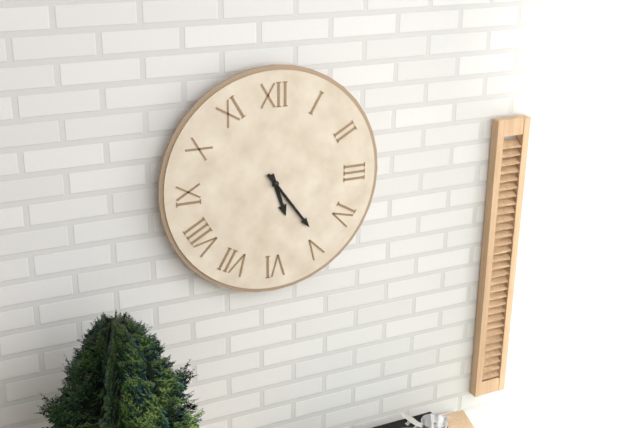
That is h=5 m=24
